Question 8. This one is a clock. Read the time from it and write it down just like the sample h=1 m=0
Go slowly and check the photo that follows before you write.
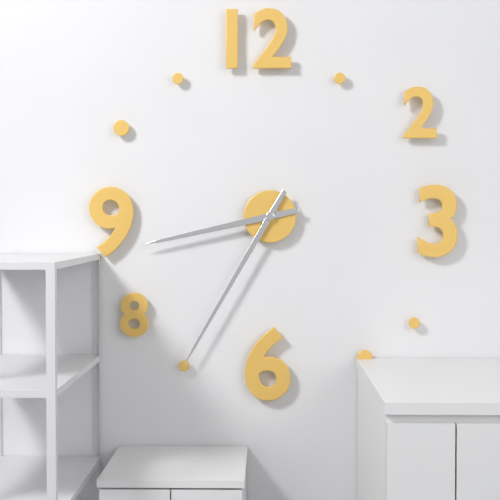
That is h=8 m=35
